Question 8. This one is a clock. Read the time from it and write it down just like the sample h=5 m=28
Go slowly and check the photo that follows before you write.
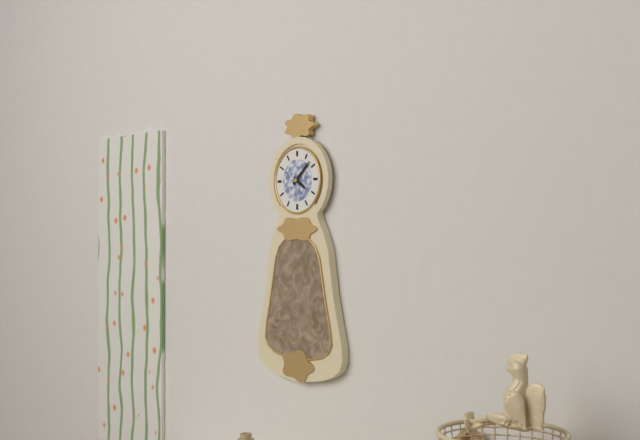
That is h=4 m=8
